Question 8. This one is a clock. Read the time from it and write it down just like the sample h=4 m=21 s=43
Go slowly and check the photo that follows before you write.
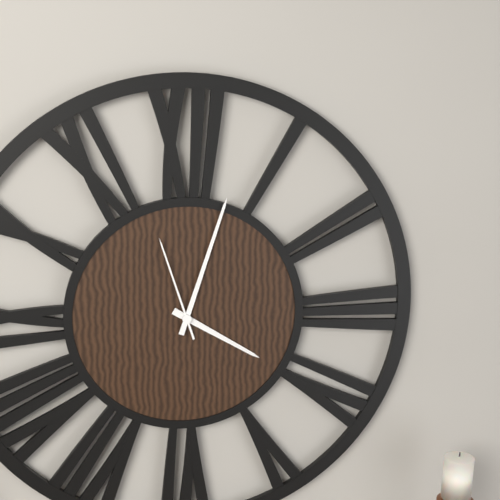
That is h=4 m=3 s=57
